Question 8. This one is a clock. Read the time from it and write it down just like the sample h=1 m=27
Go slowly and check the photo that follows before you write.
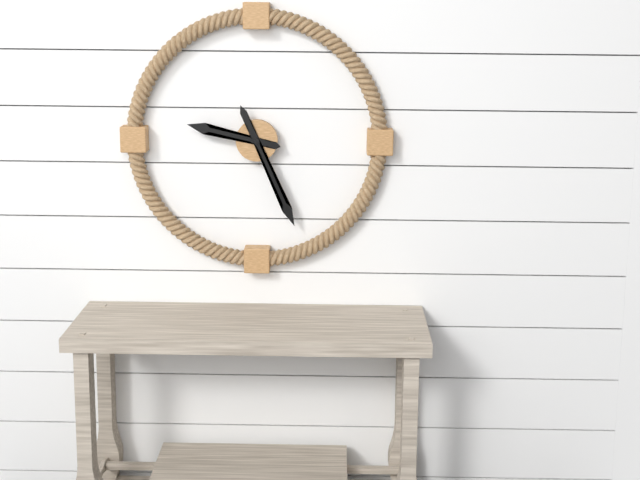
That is h=9 m=26
